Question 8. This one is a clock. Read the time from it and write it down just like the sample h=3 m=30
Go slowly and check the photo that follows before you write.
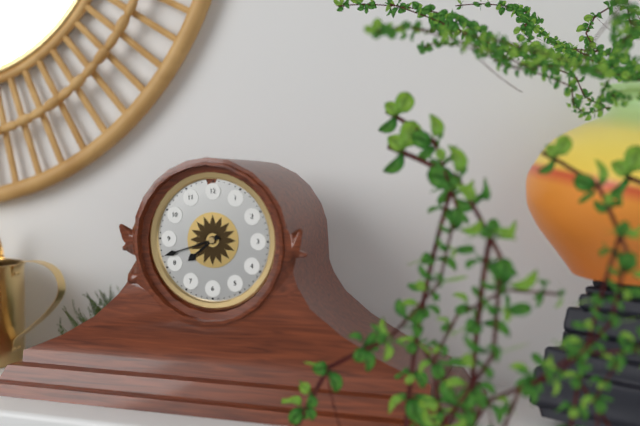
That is h=7 m=42
